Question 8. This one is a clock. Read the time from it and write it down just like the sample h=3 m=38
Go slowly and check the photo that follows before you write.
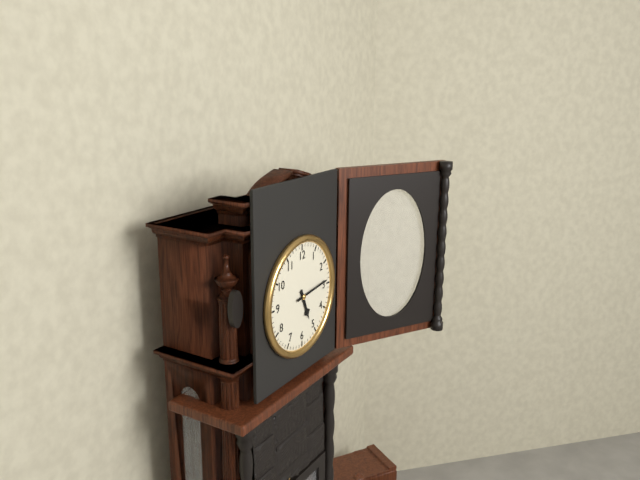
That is h=5 m=14
